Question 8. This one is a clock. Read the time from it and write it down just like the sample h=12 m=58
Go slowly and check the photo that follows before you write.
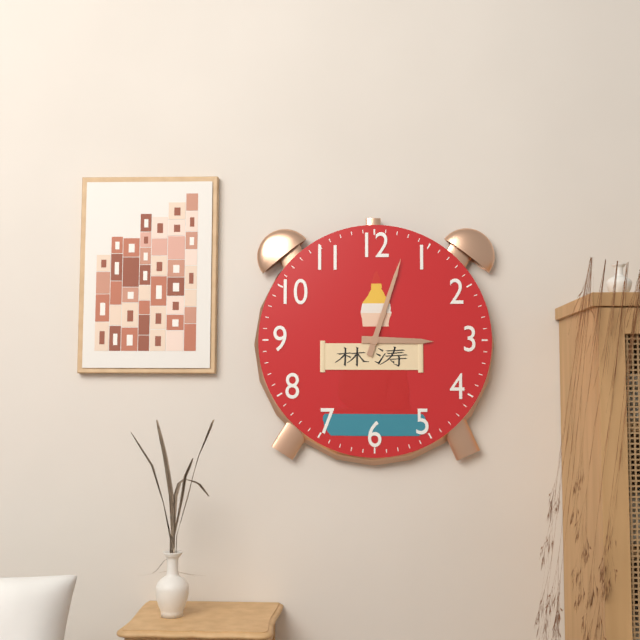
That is h=3 m=3
